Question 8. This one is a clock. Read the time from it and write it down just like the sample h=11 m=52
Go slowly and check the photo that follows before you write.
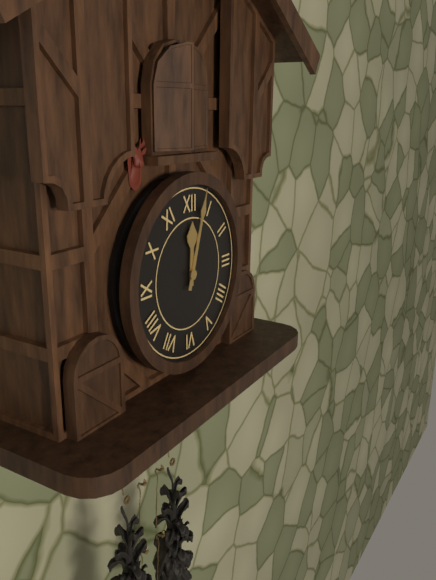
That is h=12 m=3
